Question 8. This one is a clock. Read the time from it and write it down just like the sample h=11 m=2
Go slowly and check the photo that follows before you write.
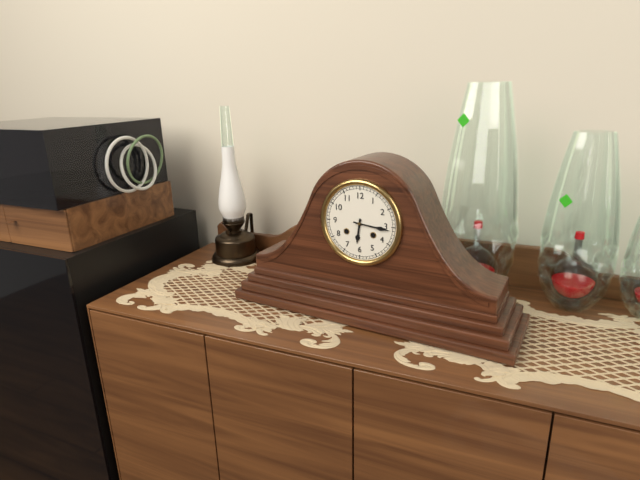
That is h=6 m=16
